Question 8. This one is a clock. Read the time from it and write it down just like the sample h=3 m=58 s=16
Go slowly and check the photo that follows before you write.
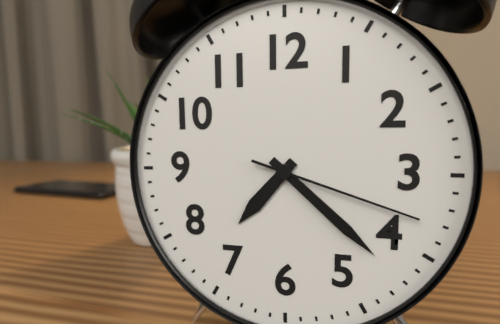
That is h=7 m=22 s=18
